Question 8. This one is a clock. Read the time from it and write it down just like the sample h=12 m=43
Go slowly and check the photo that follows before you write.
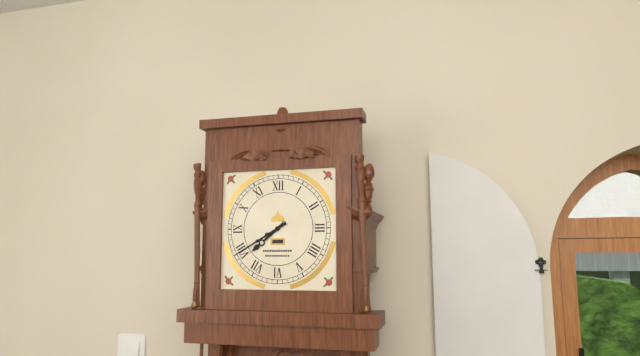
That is h=7 m=40
